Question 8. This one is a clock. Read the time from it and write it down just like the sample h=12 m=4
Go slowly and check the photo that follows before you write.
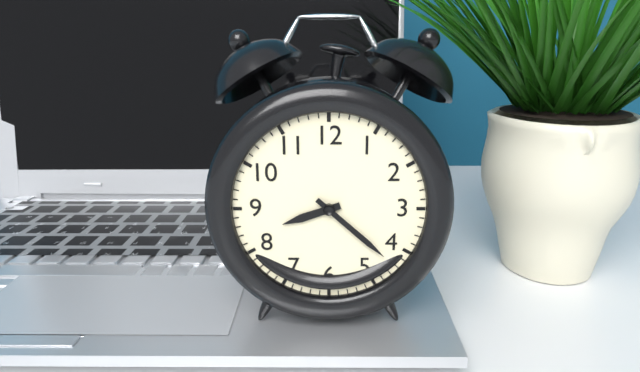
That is h=8 m=22
